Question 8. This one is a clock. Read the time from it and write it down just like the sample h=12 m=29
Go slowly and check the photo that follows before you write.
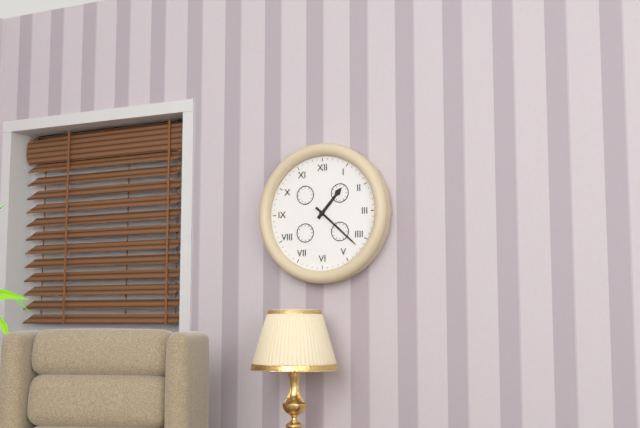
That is h=1 m=22
